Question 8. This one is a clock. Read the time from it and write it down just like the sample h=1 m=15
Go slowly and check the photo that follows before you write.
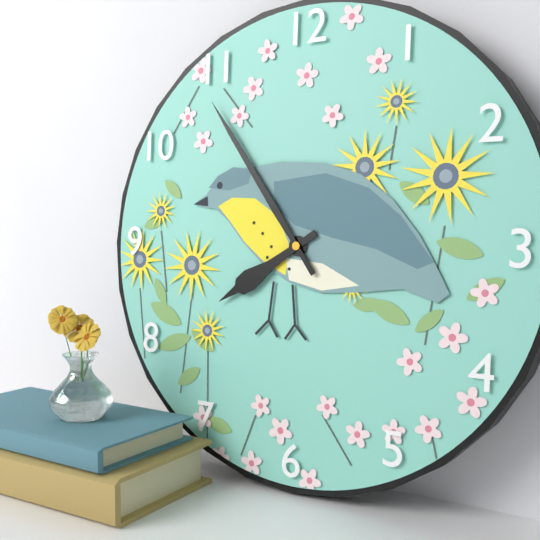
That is h=7 m=54
